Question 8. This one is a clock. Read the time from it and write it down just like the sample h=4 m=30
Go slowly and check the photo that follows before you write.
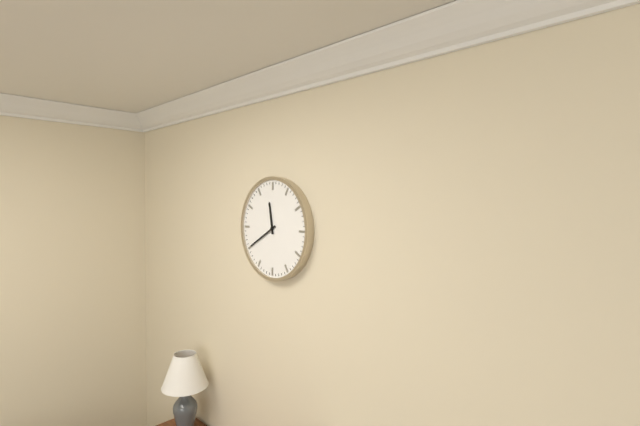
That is h=11 m=40
